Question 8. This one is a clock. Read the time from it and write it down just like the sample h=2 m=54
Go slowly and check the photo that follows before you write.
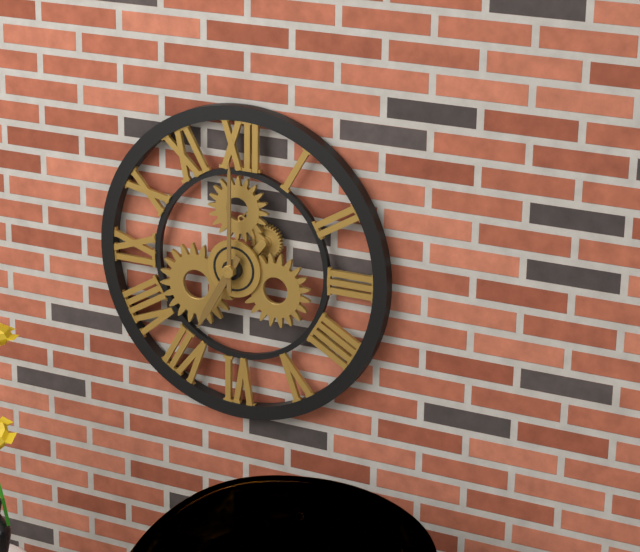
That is h=7 m=0
